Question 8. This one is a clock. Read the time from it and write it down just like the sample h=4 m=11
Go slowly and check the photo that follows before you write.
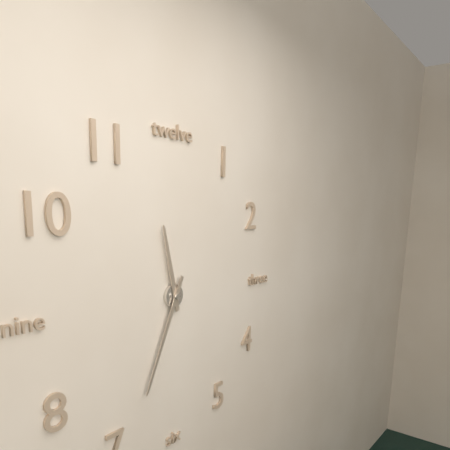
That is h=11 m=34
